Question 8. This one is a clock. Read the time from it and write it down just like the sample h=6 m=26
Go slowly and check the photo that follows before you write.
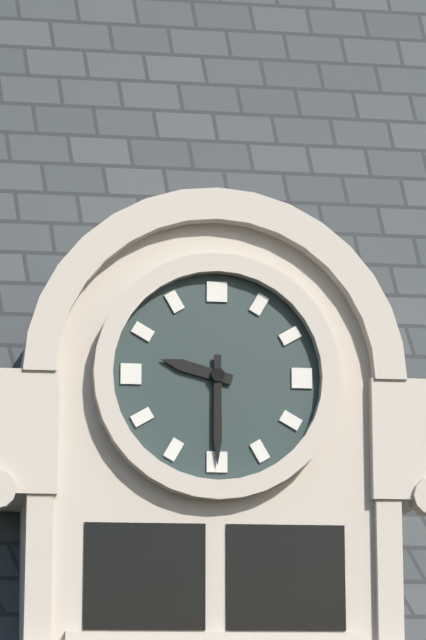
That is h=9 m=30
